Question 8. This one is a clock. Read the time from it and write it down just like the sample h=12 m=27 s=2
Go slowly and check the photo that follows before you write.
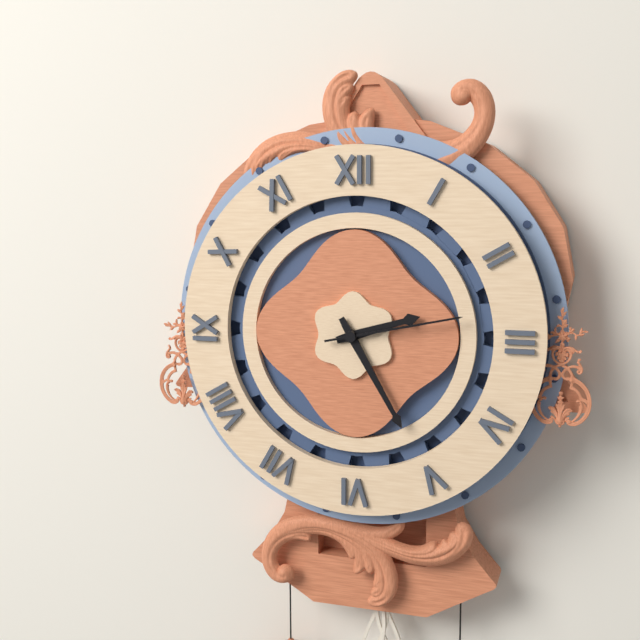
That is h=2 m=25 s=13
